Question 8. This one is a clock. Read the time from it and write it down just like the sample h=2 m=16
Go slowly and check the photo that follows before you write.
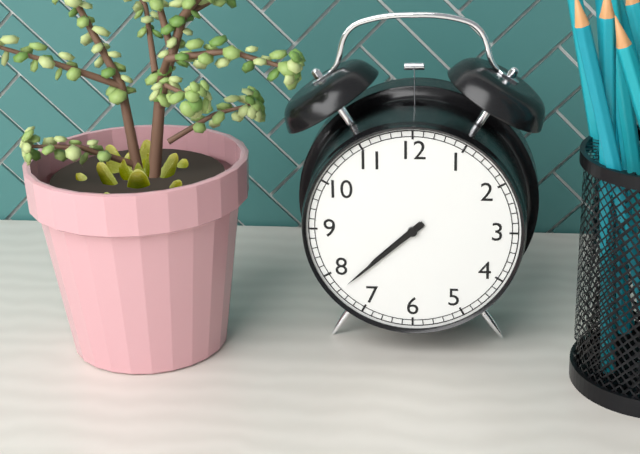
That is h=7 m=38
